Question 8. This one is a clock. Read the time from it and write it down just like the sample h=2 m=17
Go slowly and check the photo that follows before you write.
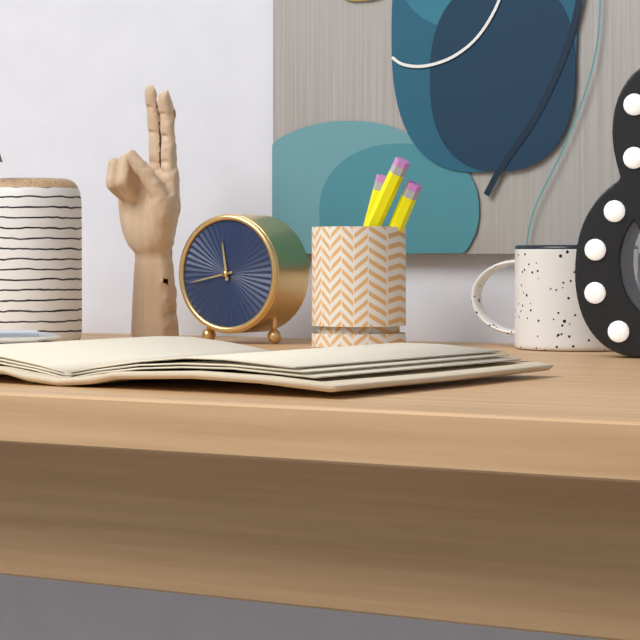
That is h=11 m=43
